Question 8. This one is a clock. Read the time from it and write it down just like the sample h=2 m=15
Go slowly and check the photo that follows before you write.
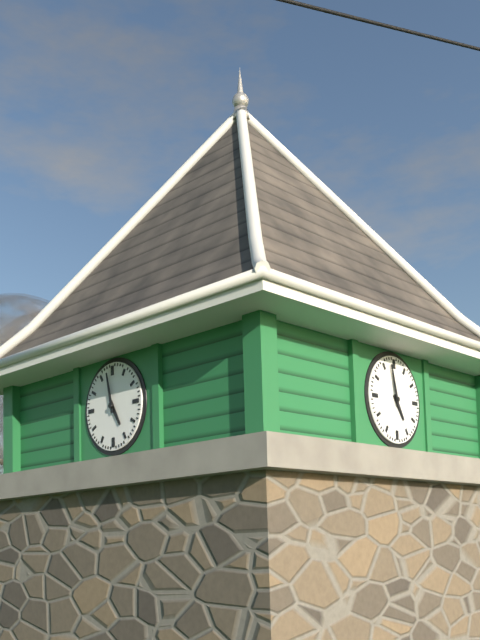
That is h=4 m=58
